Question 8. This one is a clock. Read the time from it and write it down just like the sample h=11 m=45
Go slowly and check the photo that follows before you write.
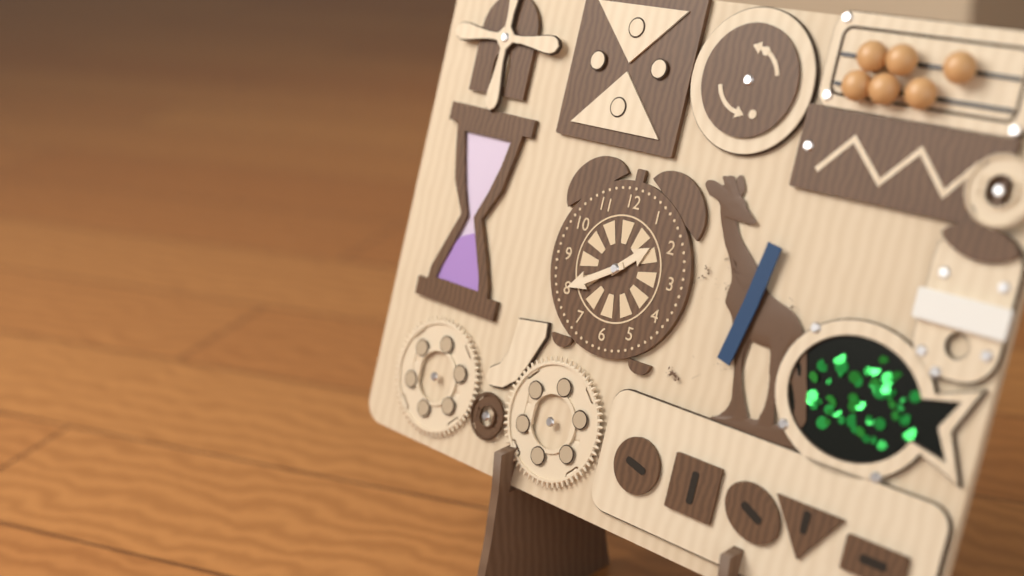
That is h=1 m=40
